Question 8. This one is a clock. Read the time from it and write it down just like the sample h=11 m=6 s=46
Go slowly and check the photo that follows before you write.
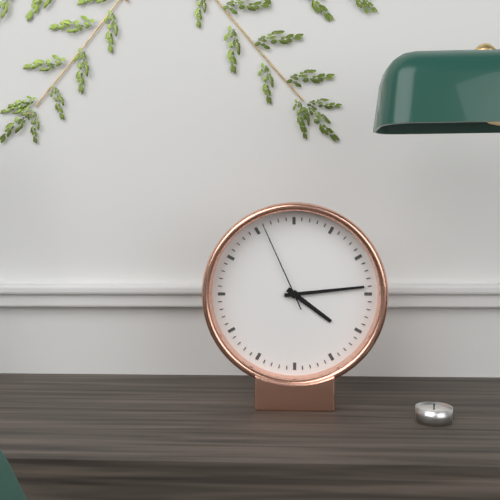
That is h=4 m=14 s=56
